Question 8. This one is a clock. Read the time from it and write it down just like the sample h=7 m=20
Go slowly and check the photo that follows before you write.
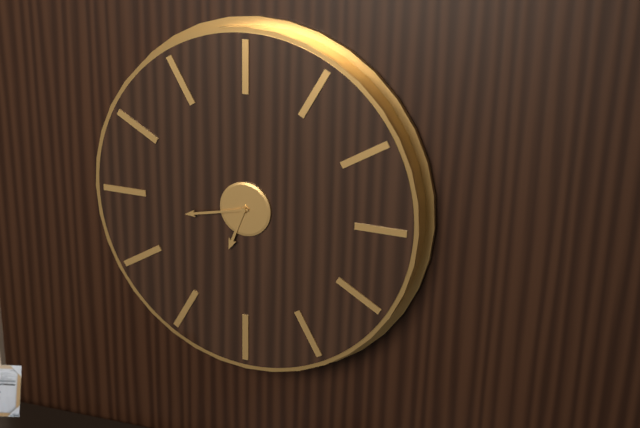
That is h=6 m=43
